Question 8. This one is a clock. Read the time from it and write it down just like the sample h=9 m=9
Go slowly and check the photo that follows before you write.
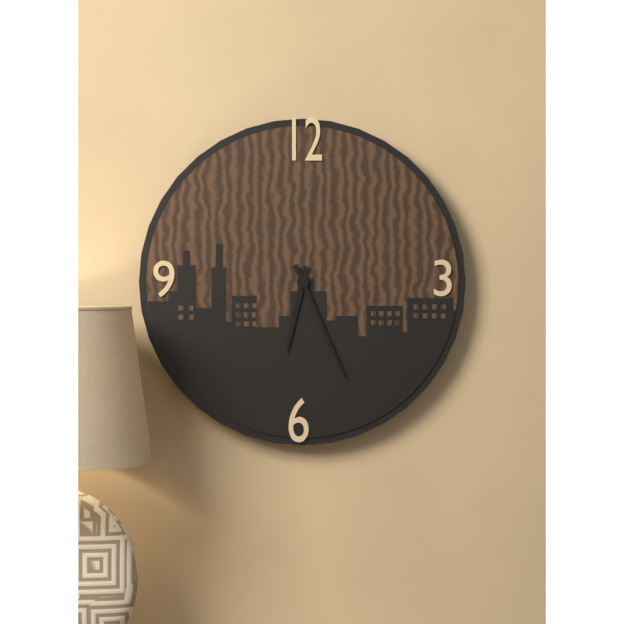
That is h=6 m=26
